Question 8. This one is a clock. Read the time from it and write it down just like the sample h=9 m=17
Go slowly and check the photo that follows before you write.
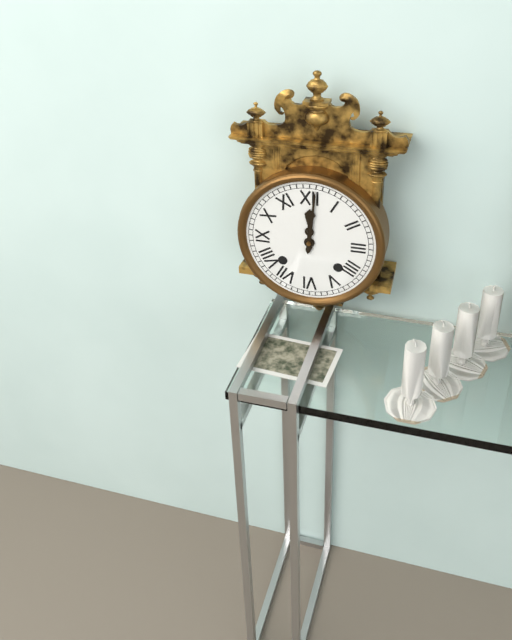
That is h=12 m=1
